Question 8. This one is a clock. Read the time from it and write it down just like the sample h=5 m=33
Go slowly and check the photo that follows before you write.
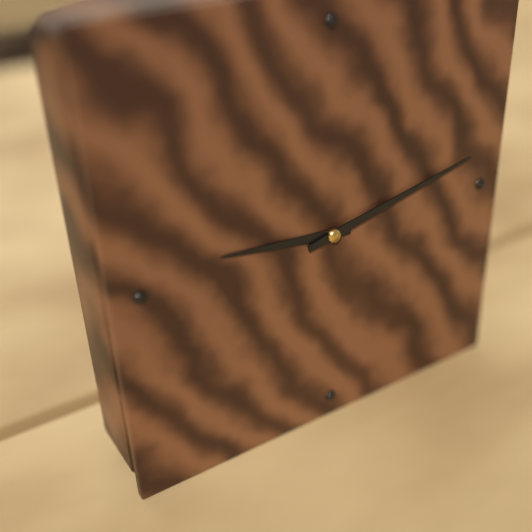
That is h=9 m=13
